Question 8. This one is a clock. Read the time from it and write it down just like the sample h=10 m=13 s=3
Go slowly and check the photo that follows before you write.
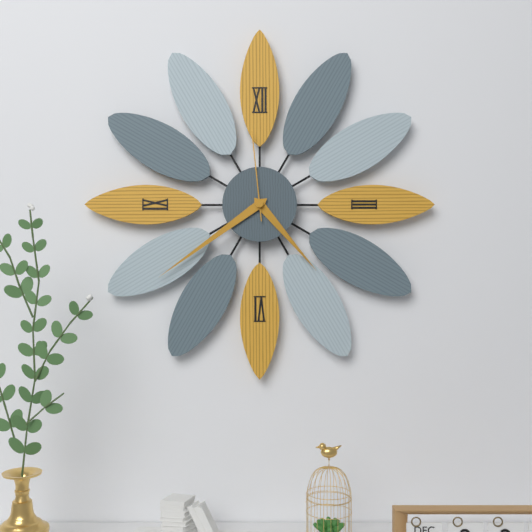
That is h=4 m=39 s=59
